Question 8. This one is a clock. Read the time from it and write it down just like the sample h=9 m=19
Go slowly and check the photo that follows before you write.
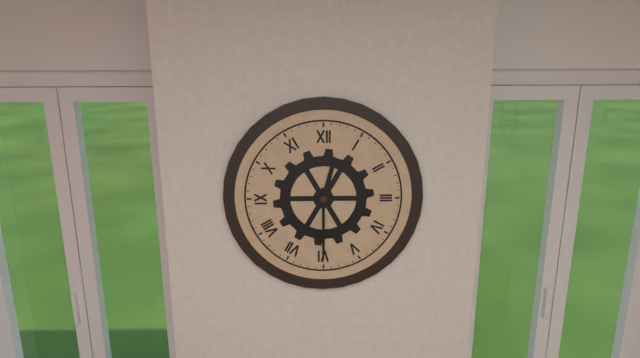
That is h=12 m=30
